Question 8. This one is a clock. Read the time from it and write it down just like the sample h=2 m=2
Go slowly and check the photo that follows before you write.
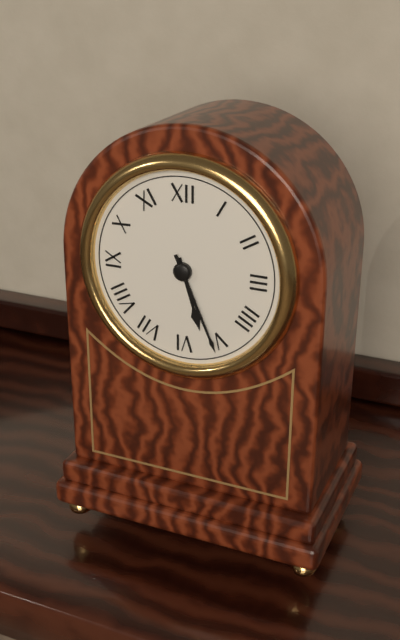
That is h=5 m=26
